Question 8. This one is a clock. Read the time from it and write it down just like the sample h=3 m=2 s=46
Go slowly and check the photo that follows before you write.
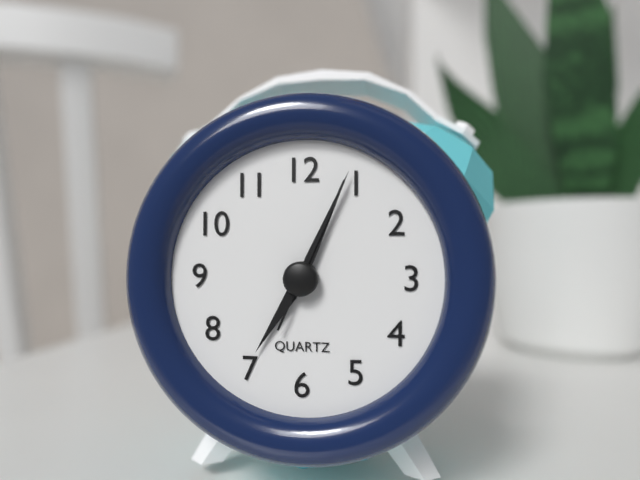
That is h=7 m=4 s=4
